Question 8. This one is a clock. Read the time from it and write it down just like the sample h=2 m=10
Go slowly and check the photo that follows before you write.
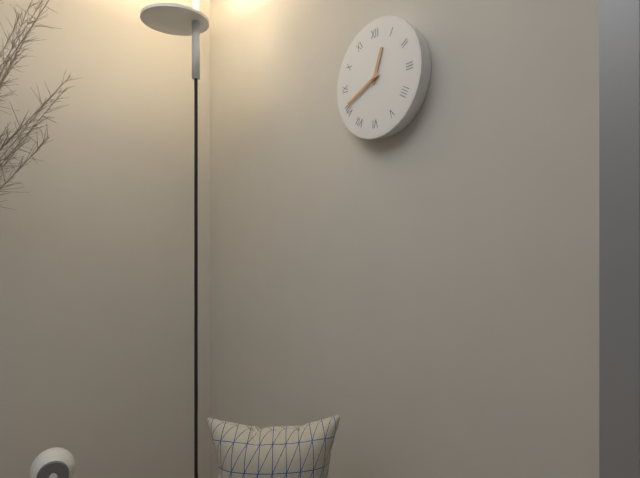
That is h=12 m=41
